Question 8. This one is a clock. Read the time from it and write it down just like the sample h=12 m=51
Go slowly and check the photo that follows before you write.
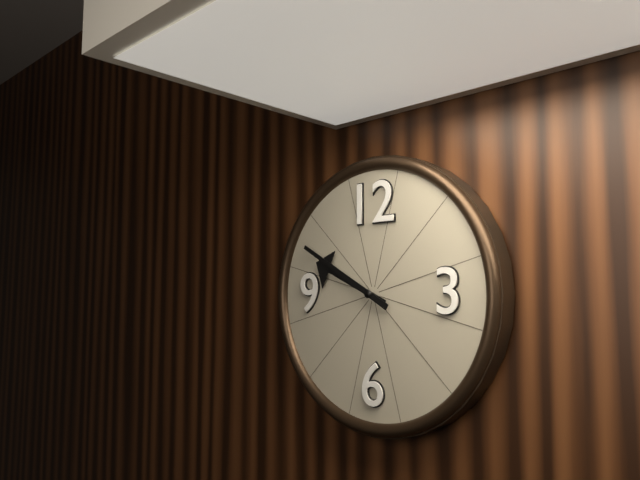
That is h=9 m=50
